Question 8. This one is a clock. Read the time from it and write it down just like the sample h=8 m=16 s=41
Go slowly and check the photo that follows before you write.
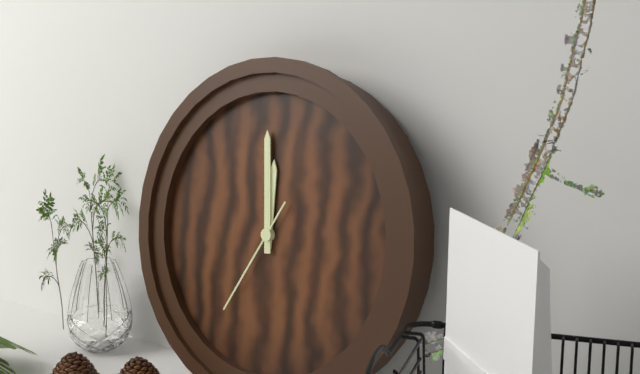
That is h=11 m=59 s=35
